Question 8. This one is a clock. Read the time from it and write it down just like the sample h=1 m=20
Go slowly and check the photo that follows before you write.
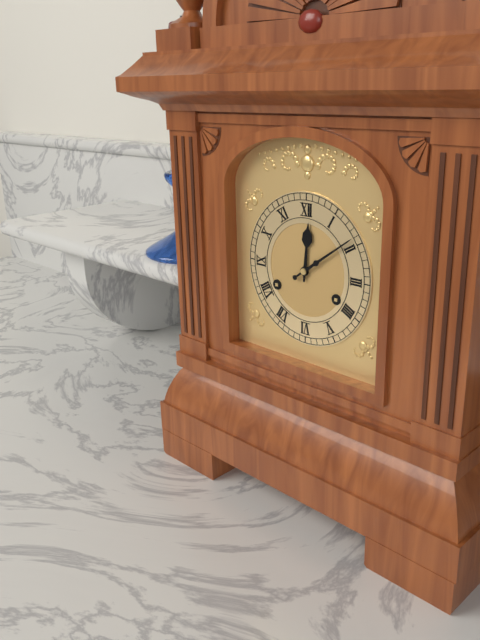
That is h=12 m=9
